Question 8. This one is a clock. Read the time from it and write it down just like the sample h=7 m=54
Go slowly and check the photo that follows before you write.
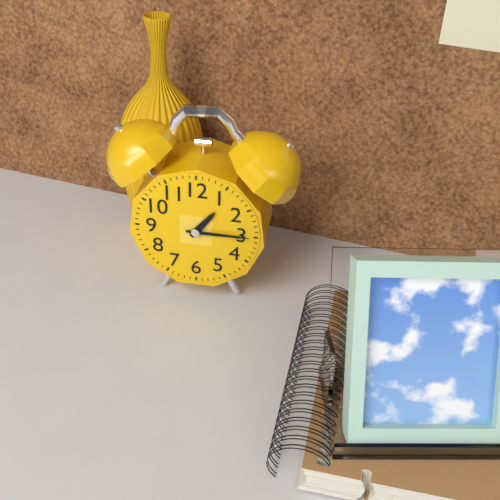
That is h=1 m=15
